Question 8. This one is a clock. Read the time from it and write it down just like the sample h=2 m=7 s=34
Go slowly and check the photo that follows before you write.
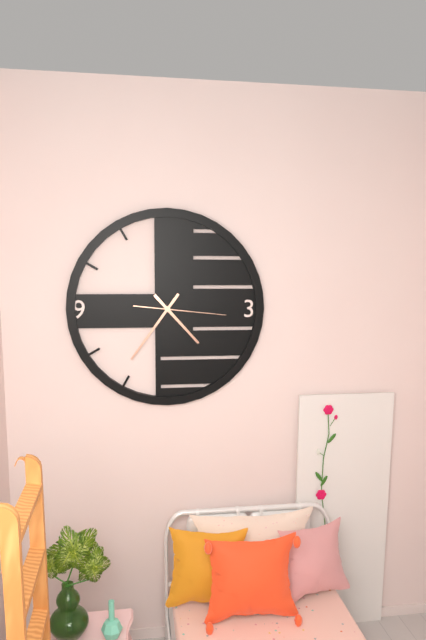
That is h=4 m=36 s=16
